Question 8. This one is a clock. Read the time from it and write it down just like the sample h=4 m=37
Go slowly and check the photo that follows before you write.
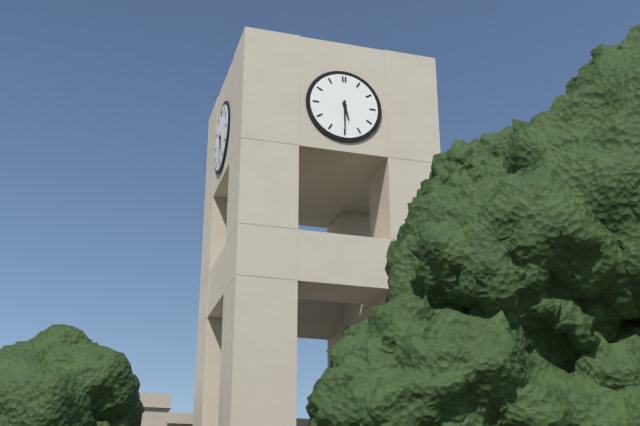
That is h=5 m=30
